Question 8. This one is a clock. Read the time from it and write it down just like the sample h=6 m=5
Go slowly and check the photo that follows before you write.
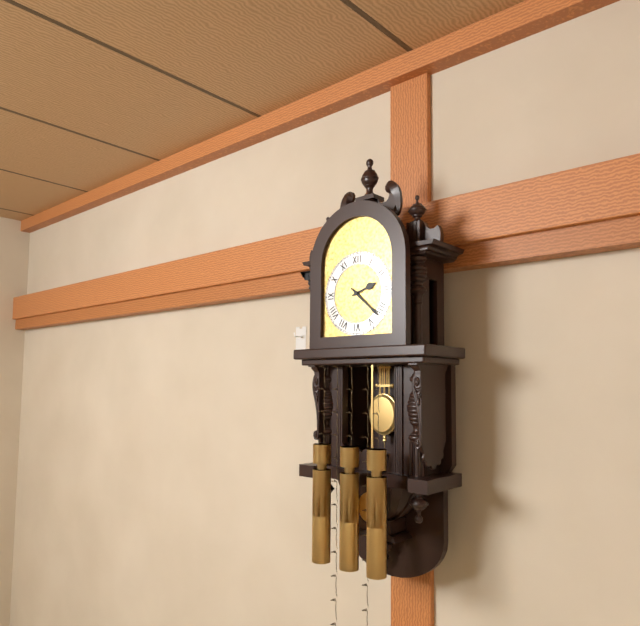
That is h=2 m=22
